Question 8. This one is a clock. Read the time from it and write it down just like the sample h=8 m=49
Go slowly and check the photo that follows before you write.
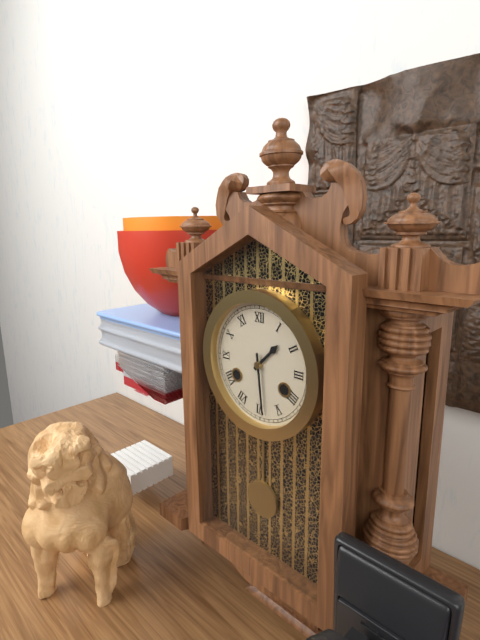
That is h=1 m=29
